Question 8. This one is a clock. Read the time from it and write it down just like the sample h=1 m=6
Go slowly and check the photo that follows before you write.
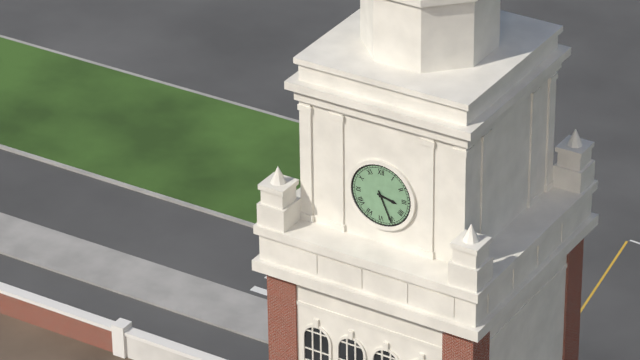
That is h=3 m=26
